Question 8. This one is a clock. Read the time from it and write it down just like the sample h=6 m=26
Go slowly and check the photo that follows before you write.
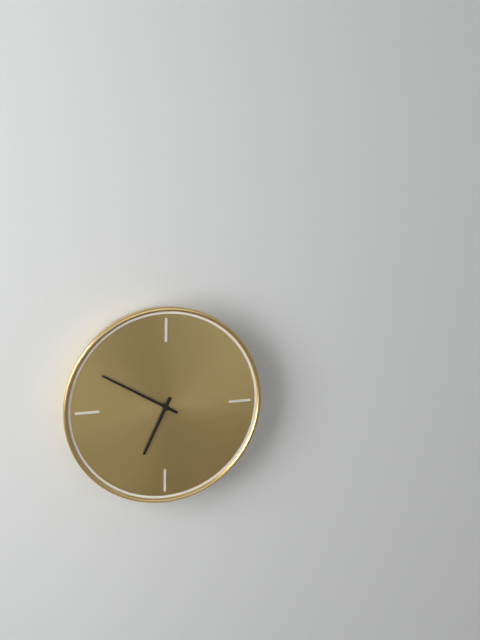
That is h=6 m=50
